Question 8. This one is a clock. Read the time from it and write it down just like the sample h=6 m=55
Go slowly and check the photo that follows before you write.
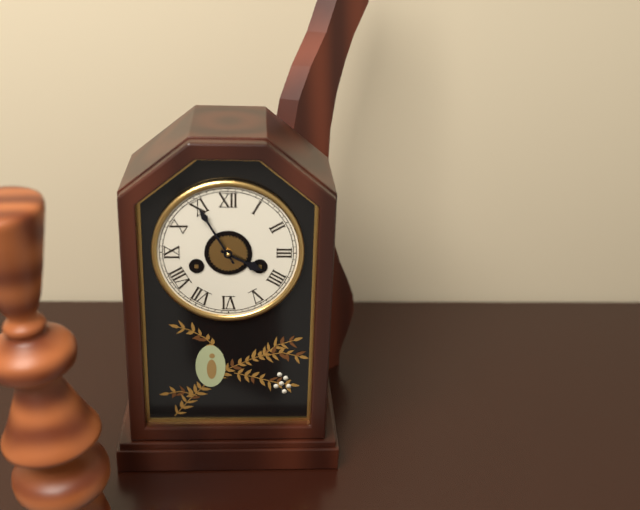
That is h=3 m=55
